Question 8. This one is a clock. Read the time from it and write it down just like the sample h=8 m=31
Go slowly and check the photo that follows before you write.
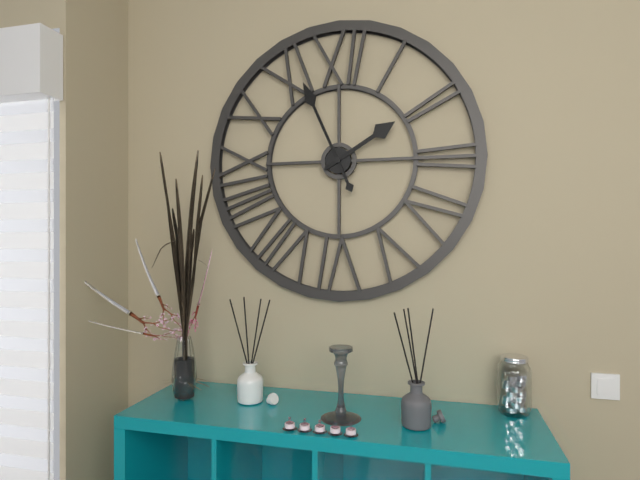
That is h=1 m=56
